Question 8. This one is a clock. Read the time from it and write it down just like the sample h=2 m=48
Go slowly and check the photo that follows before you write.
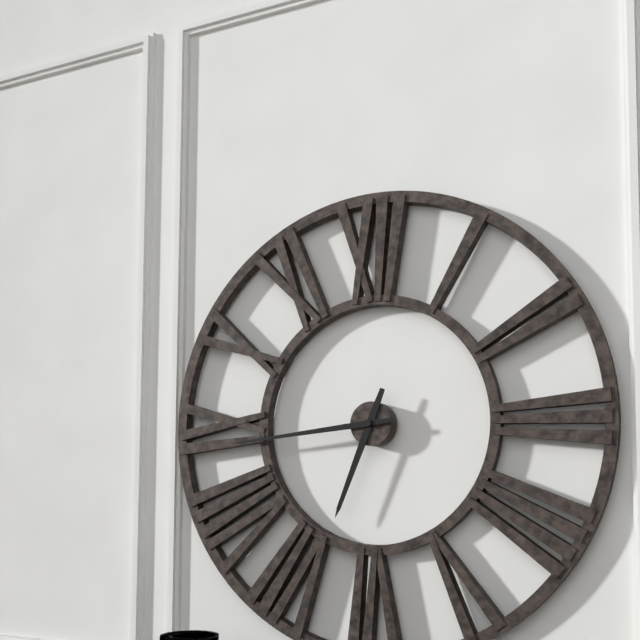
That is h=6 m=44
